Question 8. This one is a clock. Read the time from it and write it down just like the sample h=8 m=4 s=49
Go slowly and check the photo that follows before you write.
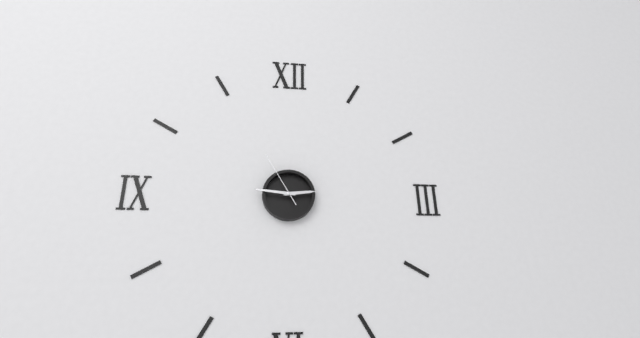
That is h=2 m=46 s=55
